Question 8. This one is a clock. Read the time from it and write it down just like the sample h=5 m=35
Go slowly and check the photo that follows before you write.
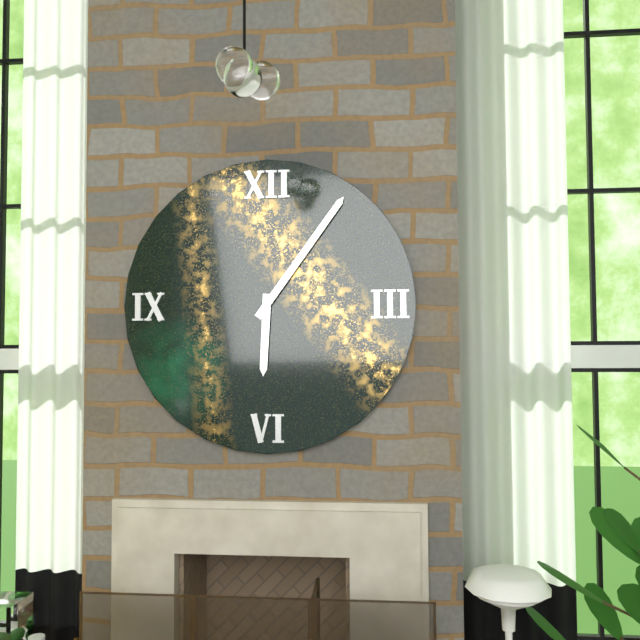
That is h=6 m=6
